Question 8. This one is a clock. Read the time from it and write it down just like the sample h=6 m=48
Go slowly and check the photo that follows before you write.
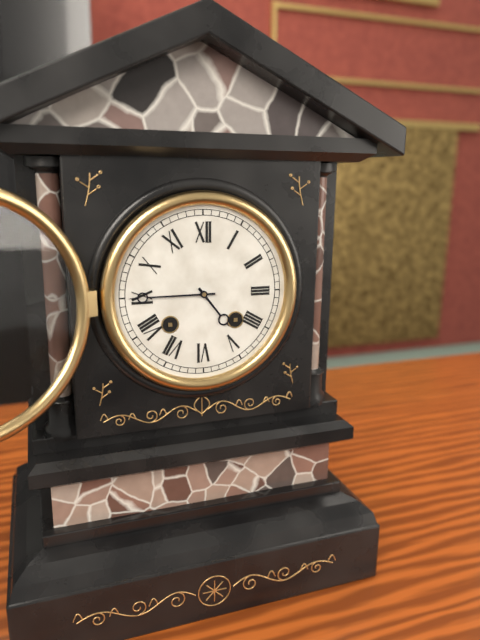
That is h=4 m=45
